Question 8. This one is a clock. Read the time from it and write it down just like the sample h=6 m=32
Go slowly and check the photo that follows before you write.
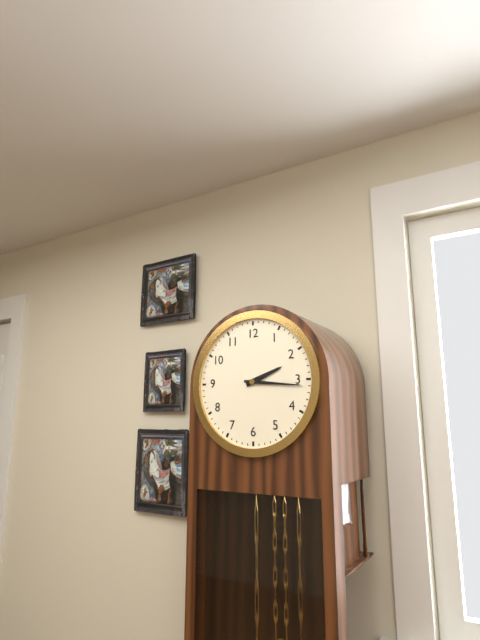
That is h=2 m=16
